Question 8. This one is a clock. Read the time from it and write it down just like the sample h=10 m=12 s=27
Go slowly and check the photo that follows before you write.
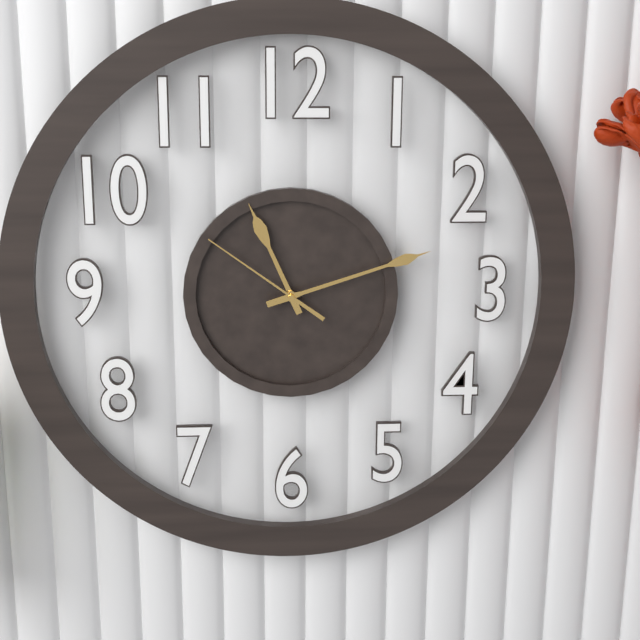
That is h=11 m=12 s=51
